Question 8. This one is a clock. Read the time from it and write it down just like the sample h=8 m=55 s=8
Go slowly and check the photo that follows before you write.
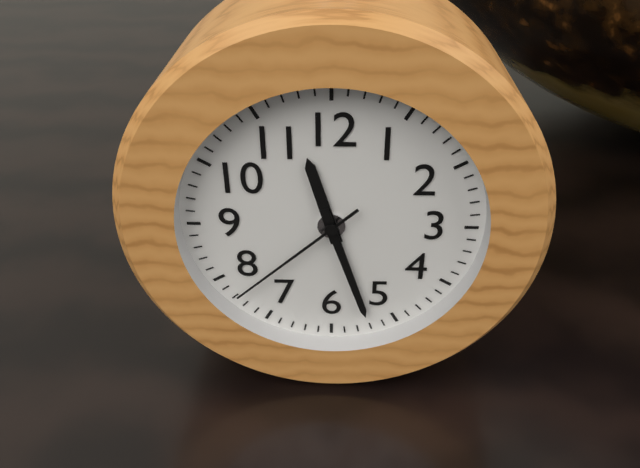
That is h=11 m=27 s=38
